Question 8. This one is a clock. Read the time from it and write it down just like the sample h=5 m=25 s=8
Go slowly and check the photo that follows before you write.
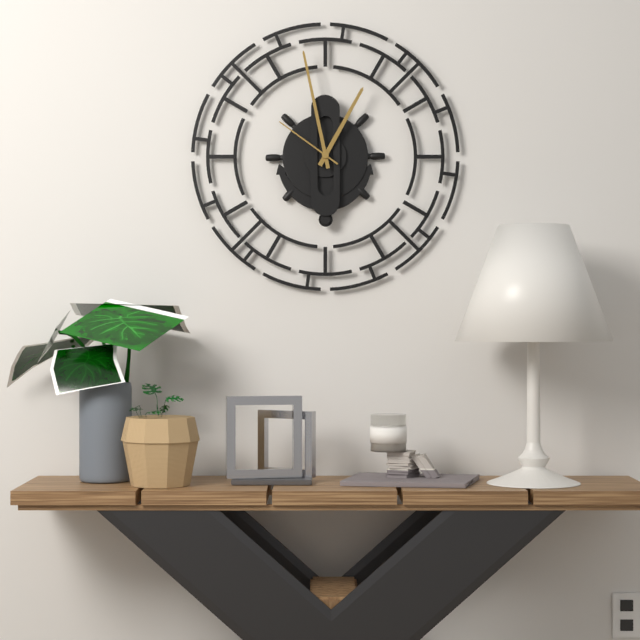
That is h=12 m=58 s=51
